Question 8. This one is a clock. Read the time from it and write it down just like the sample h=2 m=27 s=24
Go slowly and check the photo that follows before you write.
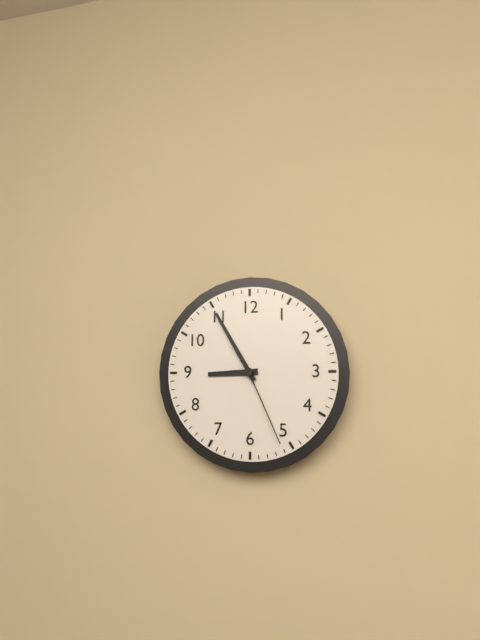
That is h=8 m=55 s=26
